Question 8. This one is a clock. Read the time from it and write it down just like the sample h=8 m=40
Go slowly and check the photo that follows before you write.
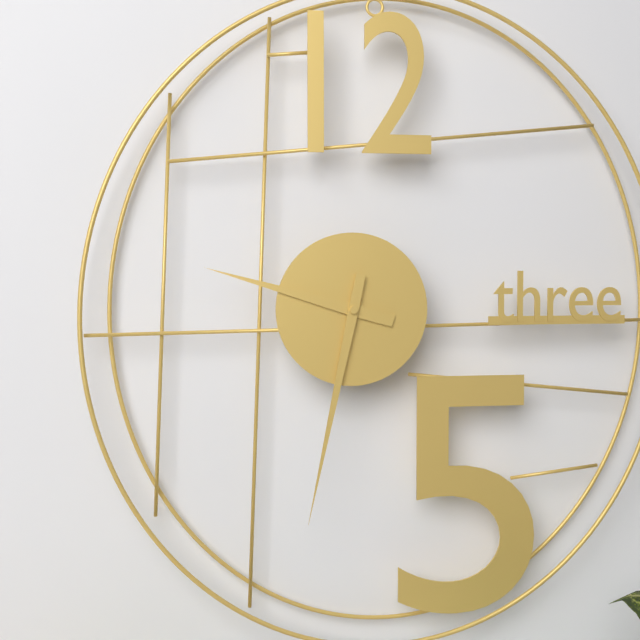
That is h=9 m=32
